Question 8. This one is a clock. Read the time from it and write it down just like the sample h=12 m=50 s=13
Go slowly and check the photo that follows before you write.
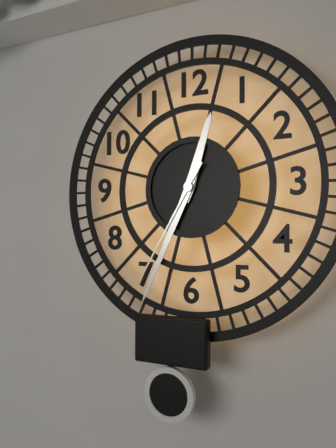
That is h=12 m=34 s=35
